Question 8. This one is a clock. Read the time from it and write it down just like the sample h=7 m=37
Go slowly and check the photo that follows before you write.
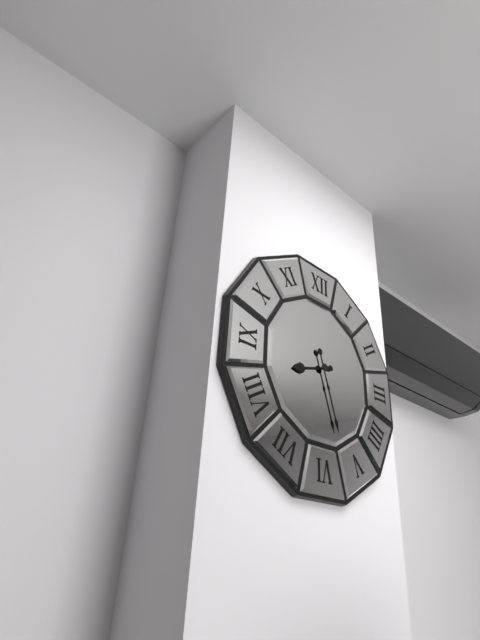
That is h=8 m=27
